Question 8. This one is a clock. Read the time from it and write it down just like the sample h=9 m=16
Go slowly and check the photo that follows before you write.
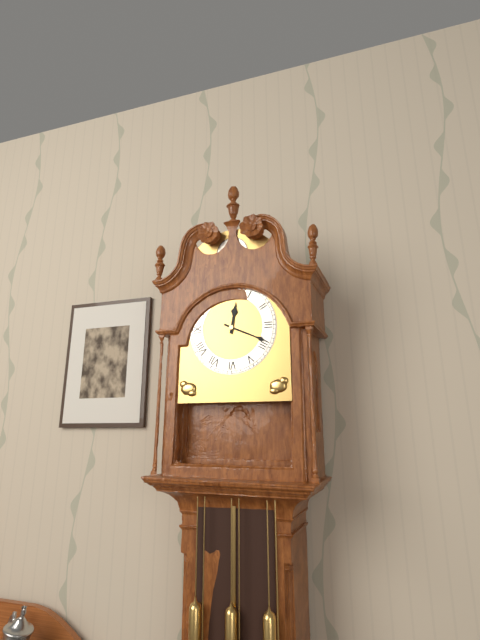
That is h=12 m=19
